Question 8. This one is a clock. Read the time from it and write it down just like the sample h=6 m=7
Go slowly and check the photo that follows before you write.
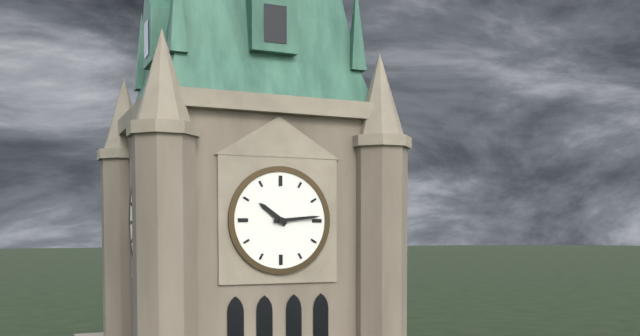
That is h=10 m=14
